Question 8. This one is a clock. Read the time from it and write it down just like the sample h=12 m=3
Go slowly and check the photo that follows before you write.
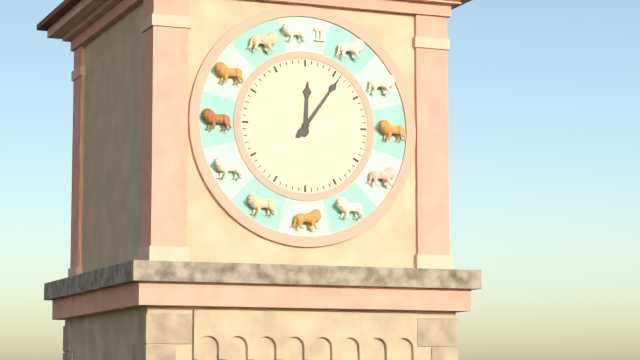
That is h=12 m=6
